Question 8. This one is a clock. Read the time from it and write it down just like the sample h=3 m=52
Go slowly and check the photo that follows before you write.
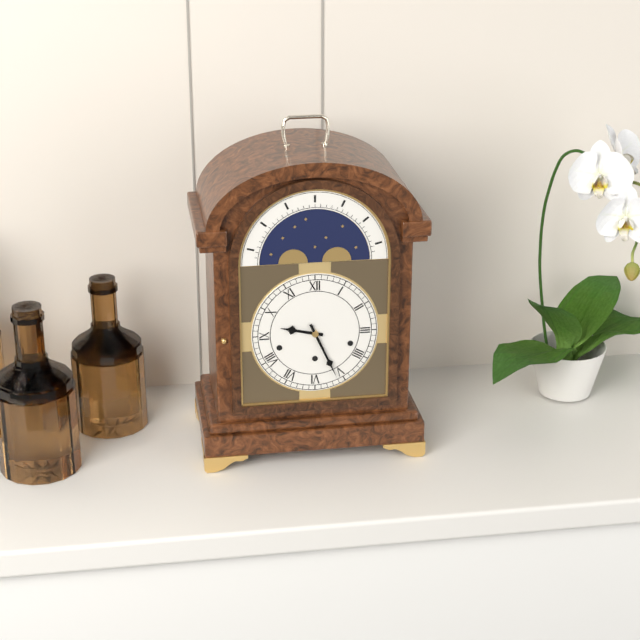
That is h=9 m=26
